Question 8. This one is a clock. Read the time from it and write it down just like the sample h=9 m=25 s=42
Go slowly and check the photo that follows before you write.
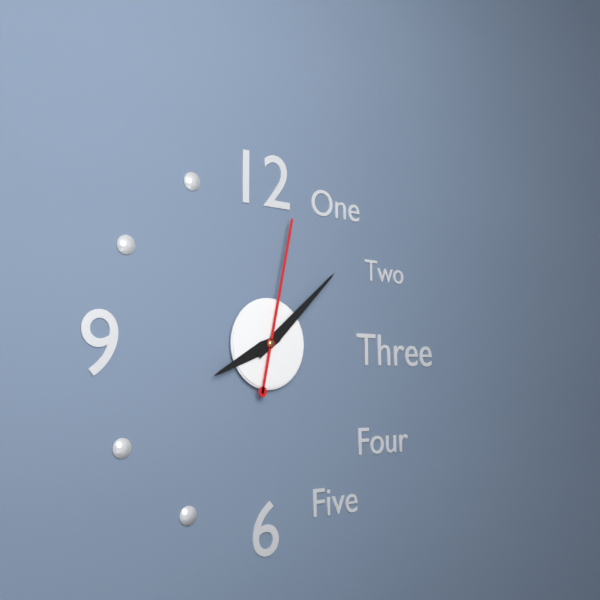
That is h=8 m=8 s=2
